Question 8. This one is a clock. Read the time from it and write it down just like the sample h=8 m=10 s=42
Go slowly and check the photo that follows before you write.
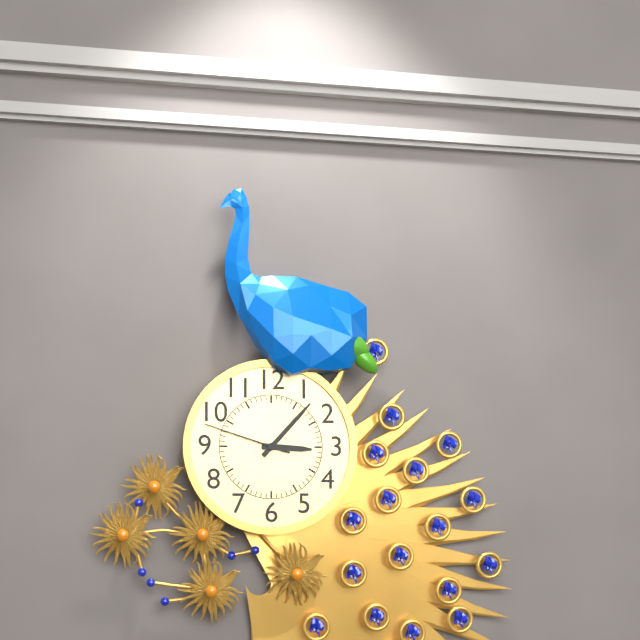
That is h=3 m=7 s=48
